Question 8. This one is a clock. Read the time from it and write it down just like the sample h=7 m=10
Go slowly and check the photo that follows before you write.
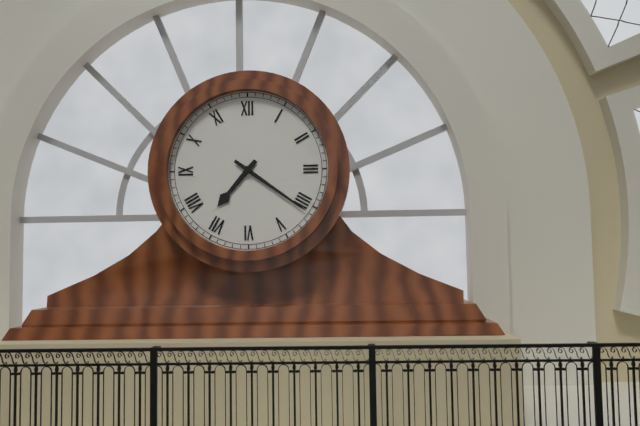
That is h=7 m=21
